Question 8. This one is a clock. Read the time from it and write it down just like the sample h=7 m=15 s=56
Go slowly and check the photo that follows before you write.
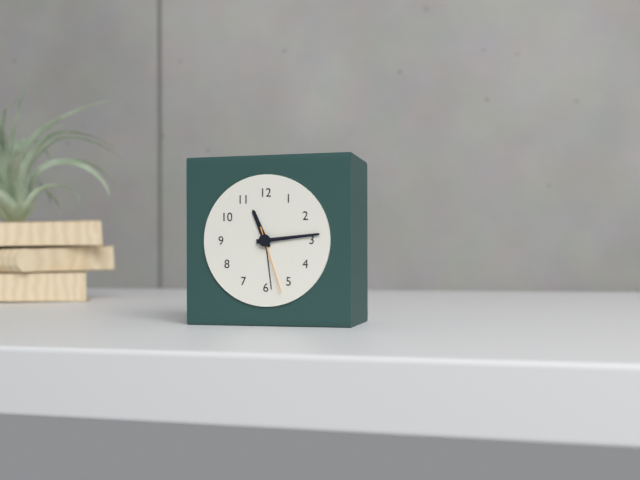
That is h=11 m=14 s=27
